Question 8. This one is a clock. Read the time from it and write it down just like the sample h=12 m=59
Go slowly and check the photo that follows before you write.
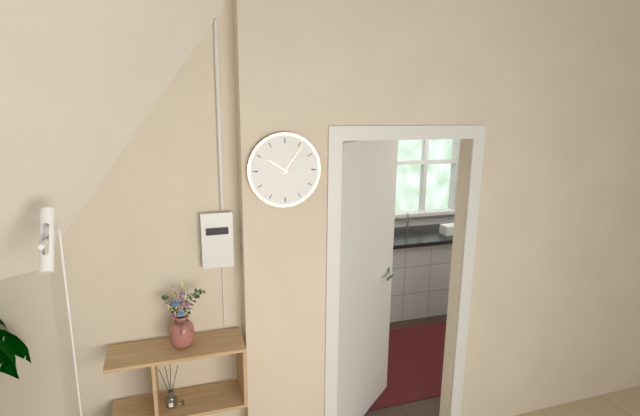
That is h=10 m=6
